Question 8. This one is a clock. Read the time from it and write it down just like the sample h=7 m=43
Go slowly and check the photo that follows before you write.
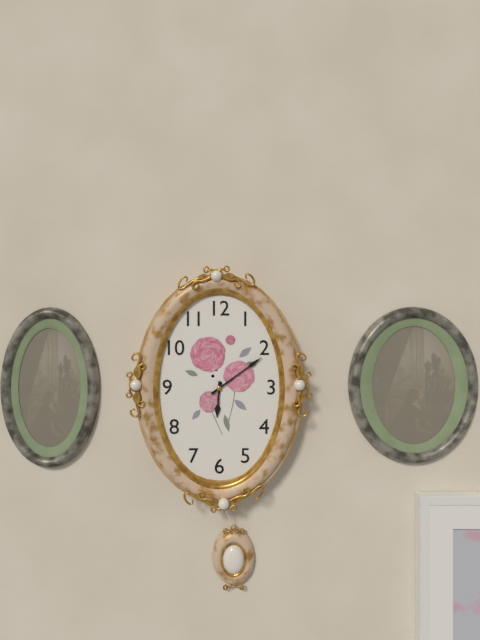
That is h=6 m=9
